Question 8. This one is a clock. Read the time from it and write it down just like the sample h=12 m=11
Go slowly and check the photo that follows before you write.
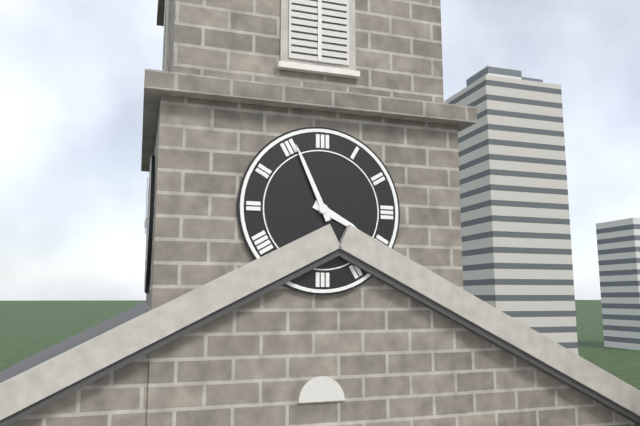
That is h=3 m=56
